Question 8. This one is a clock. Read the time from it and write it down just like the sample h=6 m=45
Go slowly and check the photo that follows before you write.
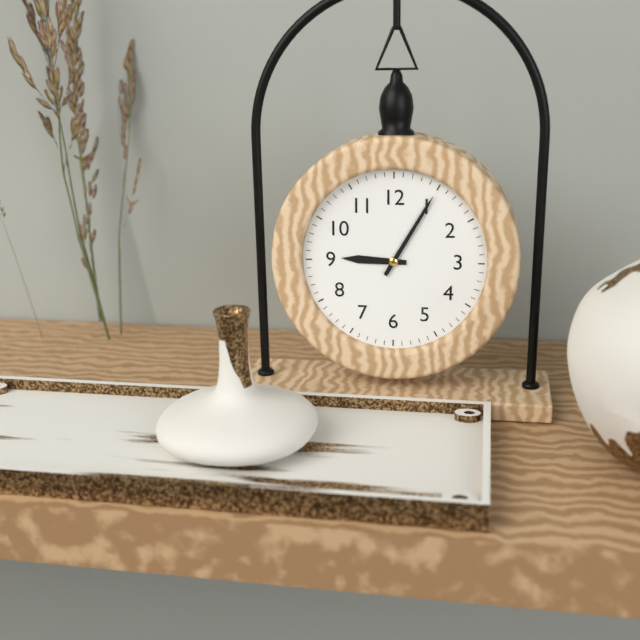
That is h=9 m=5
